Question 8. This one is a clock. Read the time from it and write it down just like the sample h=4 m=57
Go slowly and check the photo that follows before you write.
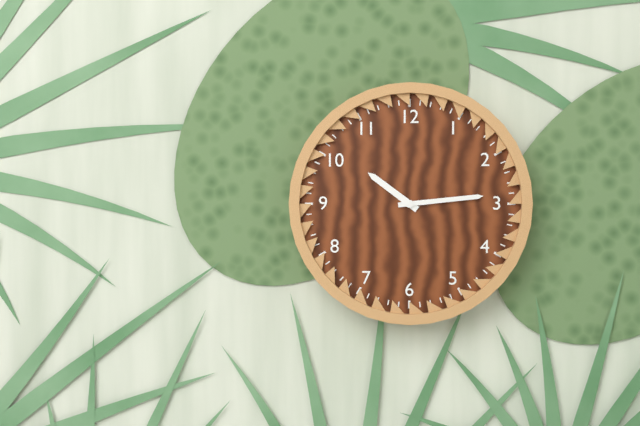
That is h=10 m=14
